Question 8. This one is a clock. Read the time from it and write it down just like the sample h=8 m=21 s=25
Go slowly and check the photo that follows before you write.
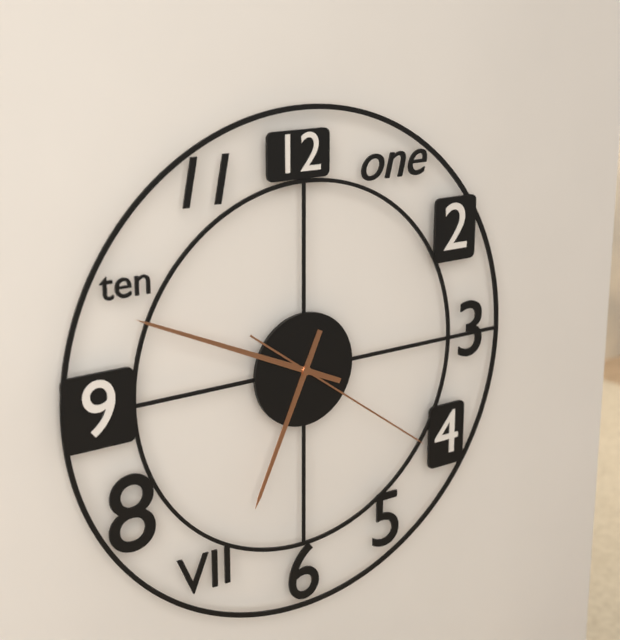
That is h=6 m=49 s=21
